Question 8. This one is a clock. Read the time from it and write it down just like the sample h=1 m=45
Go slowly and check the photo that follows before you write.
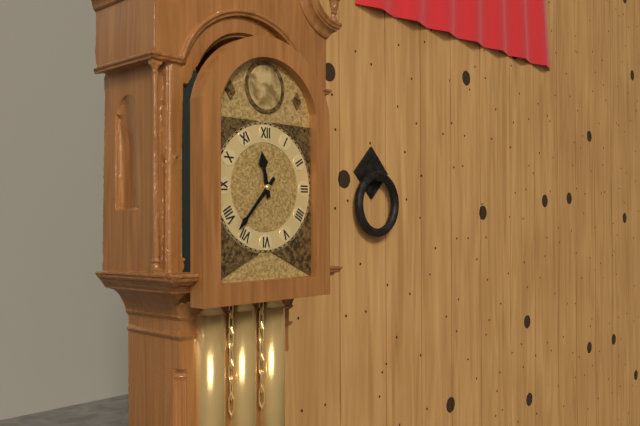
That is h=11 m=37
